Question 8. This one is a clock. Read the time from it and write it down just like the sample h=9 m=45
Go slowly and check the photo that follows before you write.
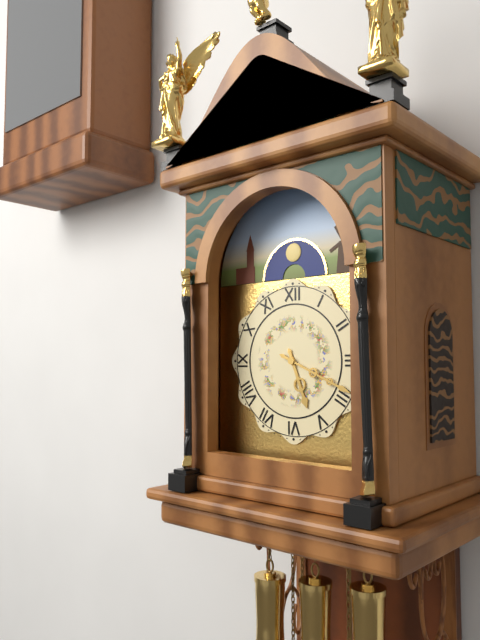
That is h=5 m=19
